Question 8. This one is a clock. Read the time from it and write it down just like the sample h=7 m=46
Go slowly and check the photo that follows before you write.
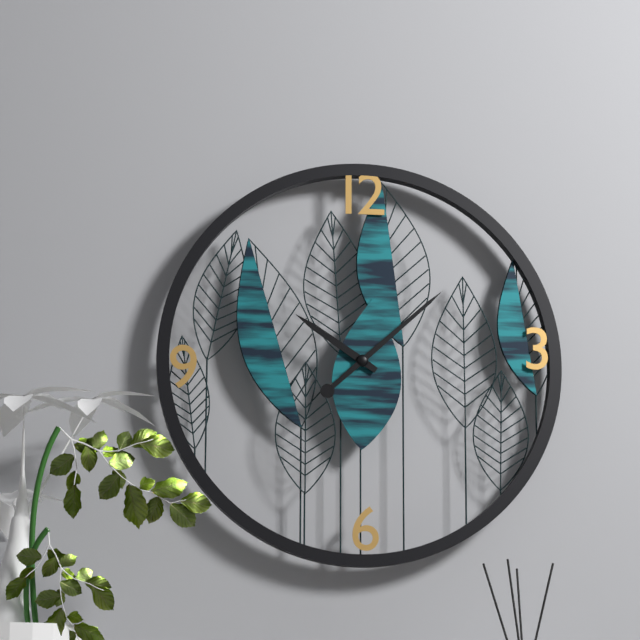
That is h=10 m=8
